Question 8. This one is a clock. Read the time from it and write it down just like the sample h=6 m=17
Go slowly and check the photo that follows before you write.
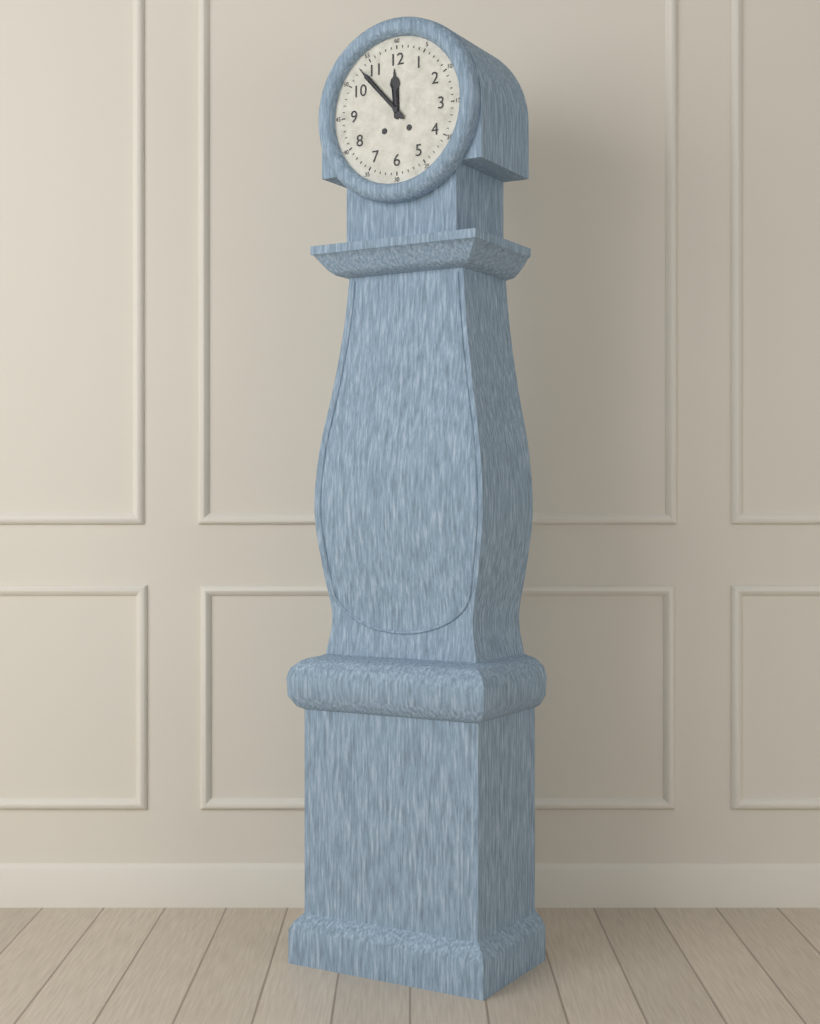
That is h=11 m=53
